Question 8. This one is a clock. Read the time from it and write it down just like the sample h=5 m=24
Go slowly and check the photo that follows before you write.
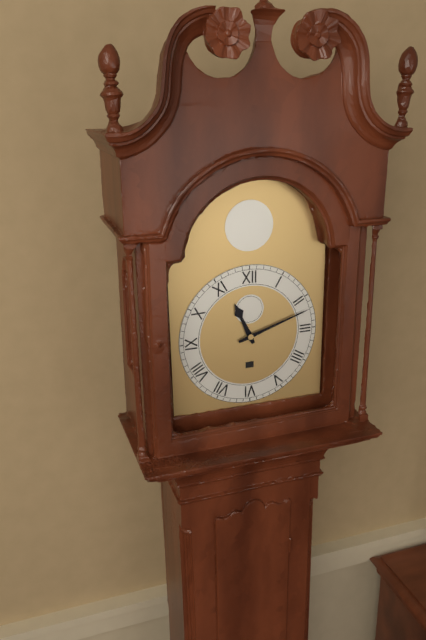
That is h=11 m=12
